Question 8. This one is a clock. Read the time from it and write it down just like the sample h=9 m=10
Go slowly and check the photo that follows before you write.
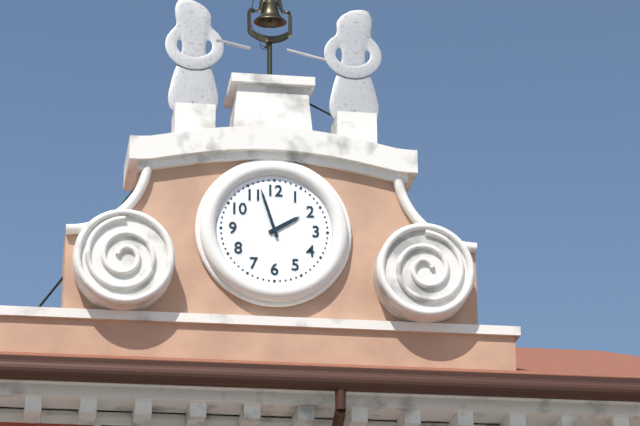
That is h=1 m=57
